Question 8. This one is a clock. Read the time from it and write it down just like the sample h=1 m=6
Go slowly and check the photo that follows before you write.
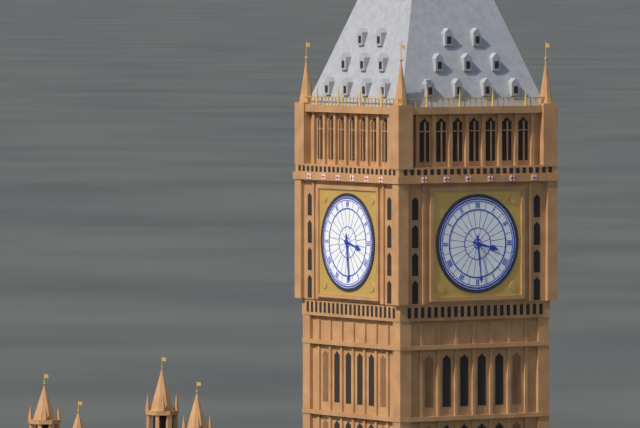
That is h=3 m=29
